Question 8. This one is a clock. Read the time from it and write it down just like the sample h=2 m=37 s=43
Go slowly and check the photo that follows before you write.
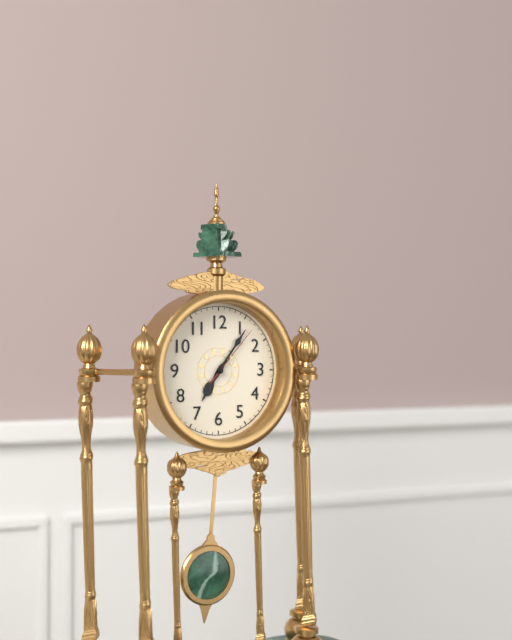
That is h=7 m=6 s=7
